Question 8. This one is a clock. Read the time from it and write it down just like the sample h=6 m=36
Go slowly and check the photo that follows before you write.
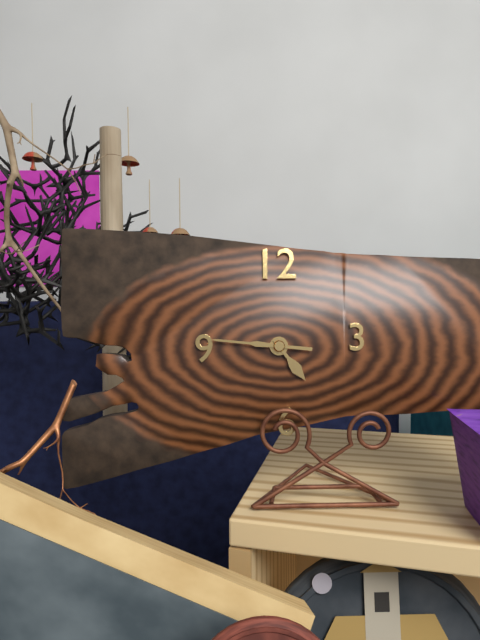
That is h=4 m=46
